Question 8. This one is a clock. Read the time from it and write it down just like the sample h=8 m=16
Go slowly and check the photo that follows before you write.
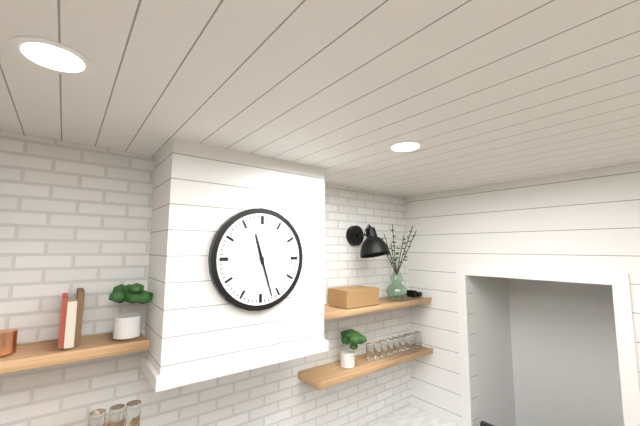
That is h=11 m=27
